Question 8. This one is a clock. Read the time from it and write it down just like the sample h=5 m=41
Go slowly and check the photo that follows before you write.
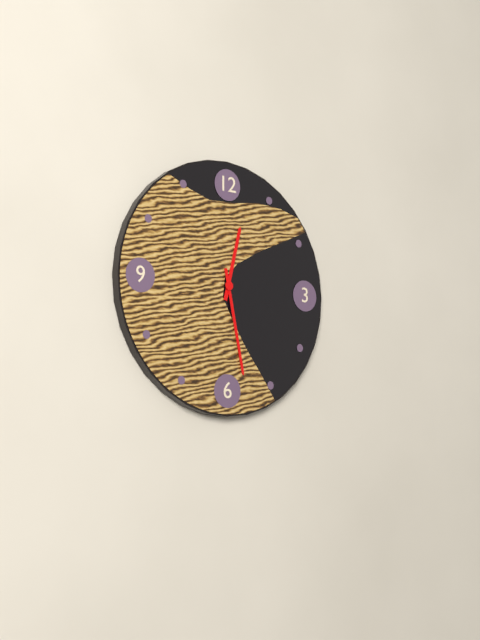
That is h=12 m=28
